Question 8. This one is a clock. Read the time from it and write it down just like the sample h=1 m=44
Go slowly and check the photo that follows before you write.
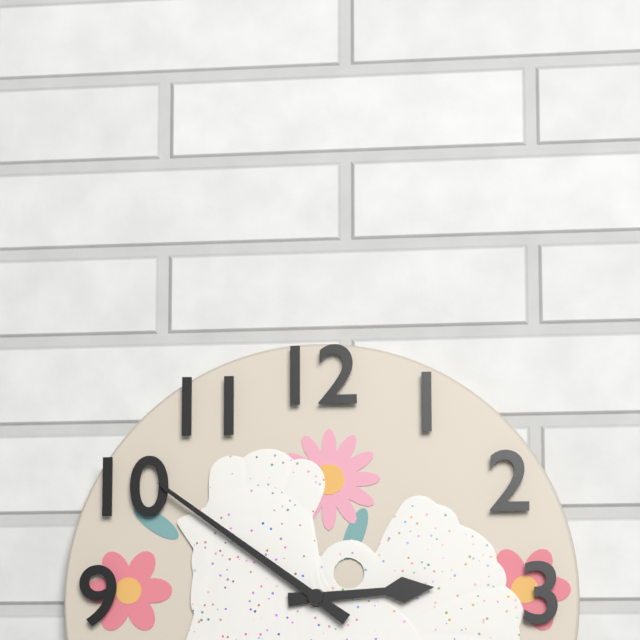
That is h=2 m=51
